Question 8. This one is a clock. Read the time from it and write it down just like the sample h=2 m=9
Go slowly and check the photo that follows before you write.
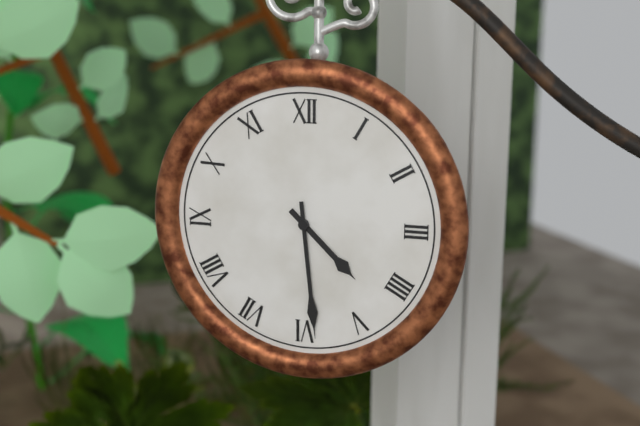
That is h=4 m=29
